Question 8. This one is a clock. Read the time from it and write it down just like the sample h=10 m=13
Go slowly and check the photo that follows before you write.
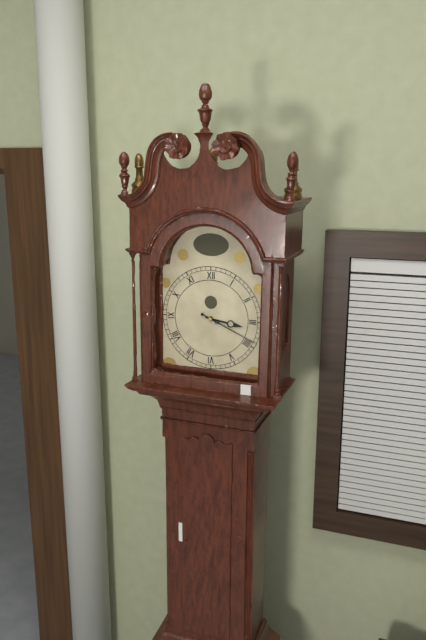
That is h=3 m=19
